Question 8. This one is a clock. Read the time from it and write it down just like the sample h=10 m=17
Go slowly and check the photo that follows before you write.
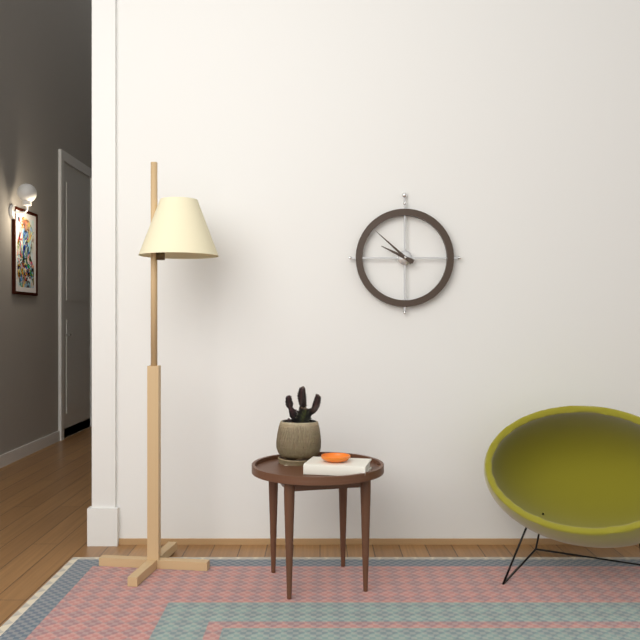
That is h=9 m=52
